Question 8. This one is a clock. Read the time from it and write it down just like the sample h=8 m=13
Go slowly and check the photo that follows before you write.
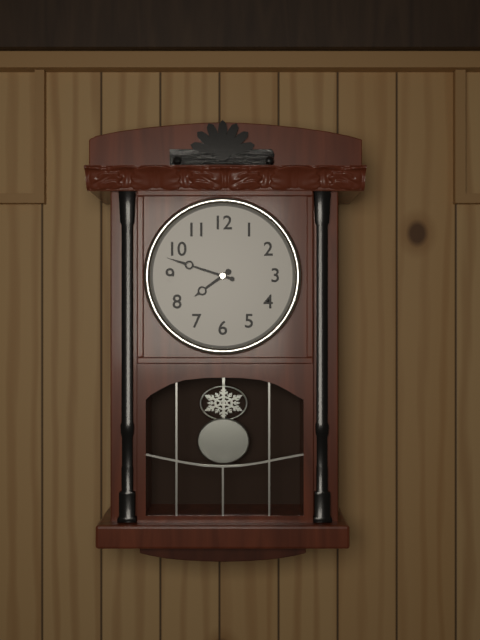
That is h=7 m=48
